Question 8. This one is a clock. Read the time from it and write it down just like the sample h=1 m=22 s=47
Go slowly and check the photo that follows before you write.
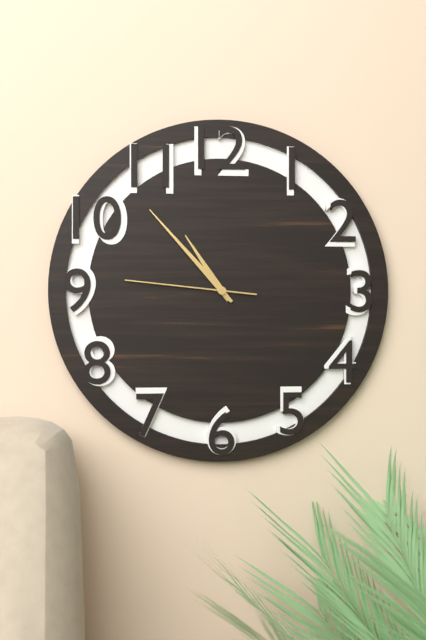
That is h=10 m=53 s=46
